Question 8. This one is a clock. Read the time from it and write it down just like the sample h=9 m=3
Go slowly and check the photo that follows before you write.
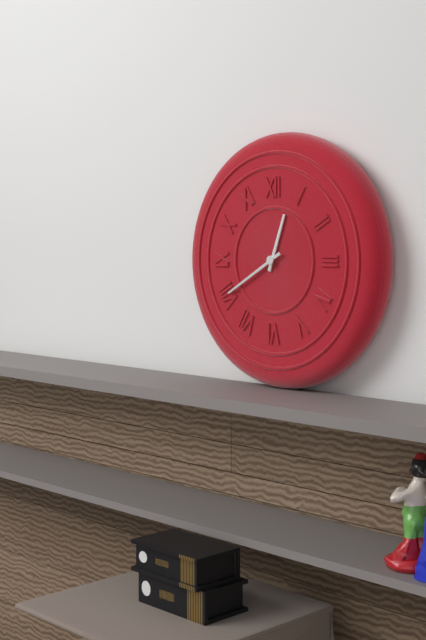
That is h=12 m=40
